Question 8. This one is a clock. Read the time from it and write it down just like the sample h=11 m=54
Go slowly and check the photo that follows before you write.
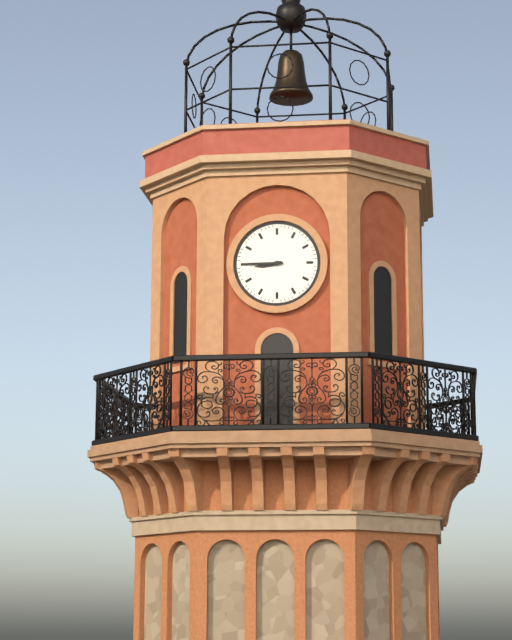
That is h=8 m=45
